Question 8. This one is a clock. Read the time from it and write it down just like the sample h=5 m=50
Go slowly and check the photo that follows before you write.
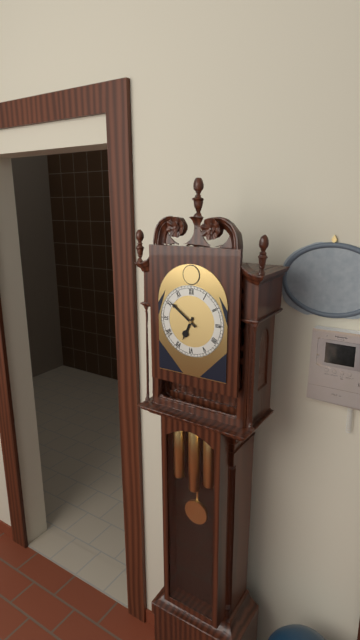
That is h=6 m=51
